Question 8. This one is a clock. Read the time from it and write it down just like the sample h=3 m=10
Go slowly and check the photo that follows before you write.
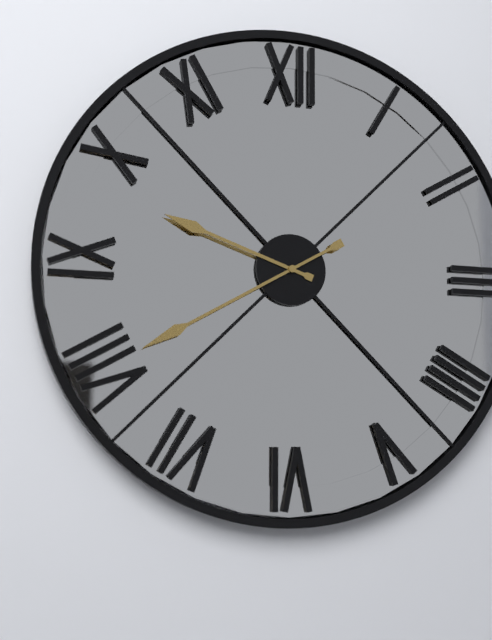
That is h=9 m=40
